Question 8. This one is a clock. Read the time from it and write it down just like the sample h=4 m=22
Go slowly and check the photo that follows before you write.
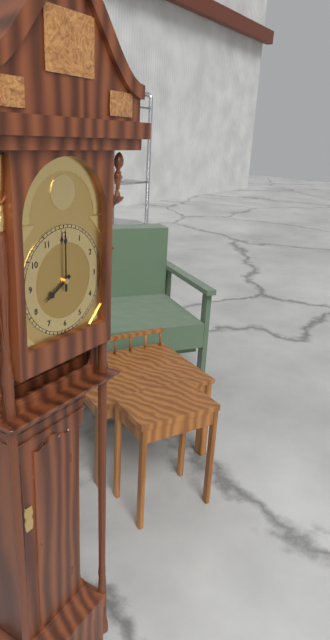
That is h=8 m=0
